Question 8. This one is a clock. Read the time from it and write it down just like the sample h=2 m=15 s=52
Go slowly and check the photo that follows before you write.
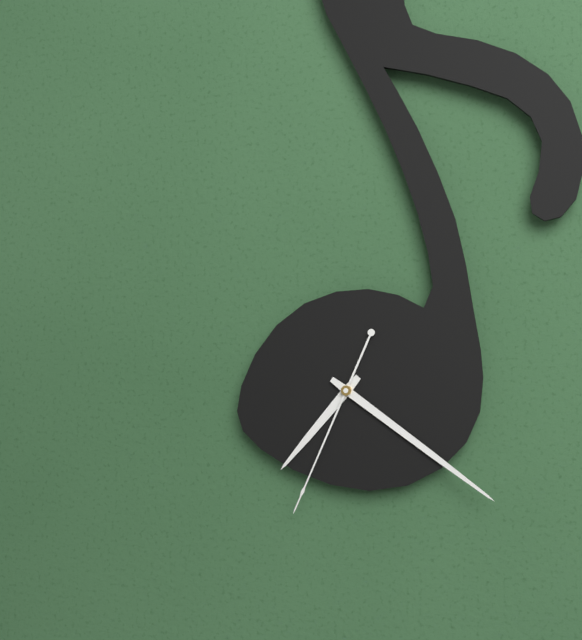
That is h=7 m=21 s=34
